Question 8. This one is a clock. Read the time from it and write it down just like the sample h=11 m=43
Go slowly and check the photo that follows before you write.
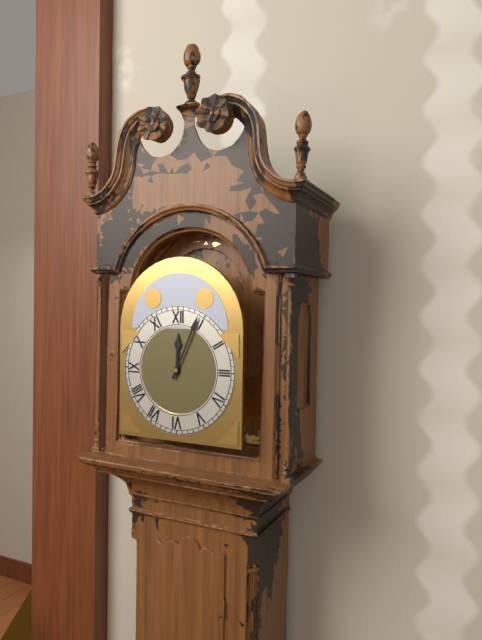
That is h=12 m=4
